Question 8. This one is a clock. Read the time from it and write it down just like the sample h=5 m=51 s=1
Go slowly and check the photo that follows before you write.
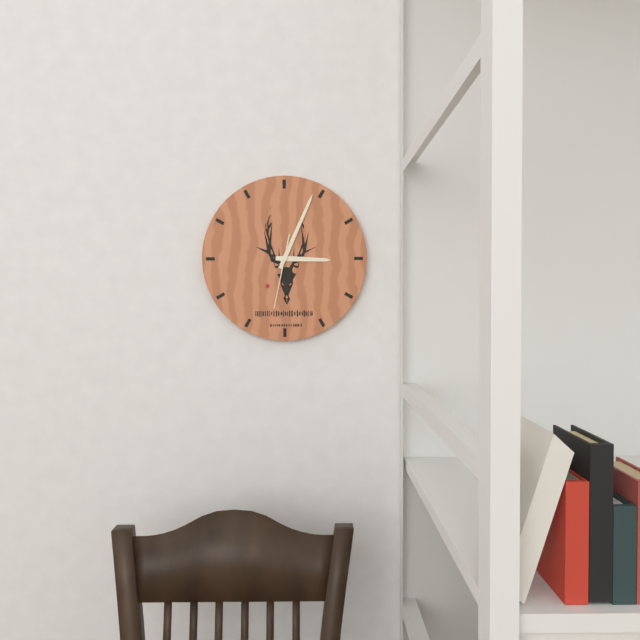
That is h=3 m=4 s=32
